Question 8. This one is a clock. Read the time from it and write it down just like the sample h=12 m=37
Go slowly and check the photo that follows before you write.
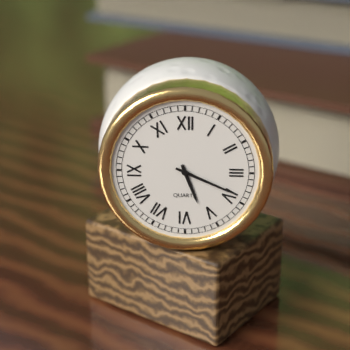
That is h=5 m=19
